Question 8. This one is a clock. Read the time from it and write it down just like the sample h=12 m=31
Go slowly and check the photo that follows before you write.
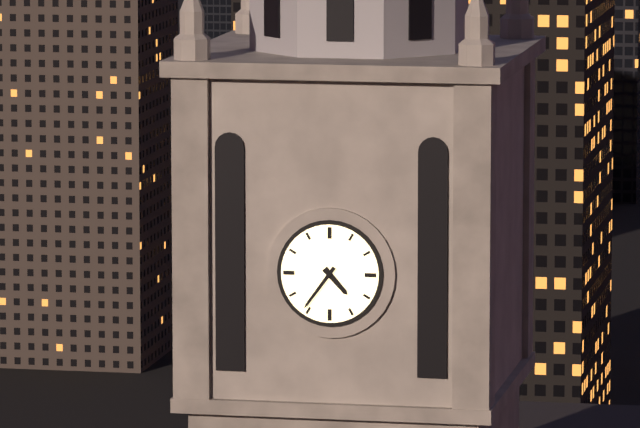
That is h=4 m=36
